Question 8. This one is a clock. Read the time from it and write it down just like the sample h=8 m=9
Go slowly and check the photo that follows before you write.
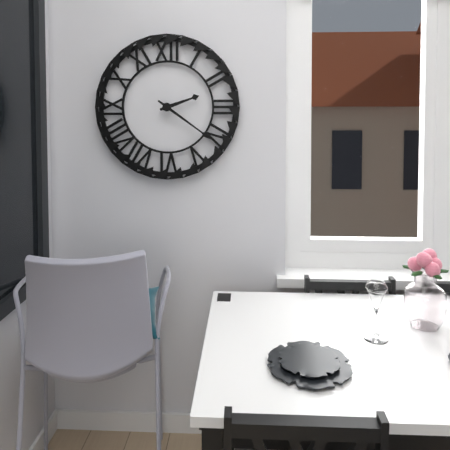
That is h=2 m=21
